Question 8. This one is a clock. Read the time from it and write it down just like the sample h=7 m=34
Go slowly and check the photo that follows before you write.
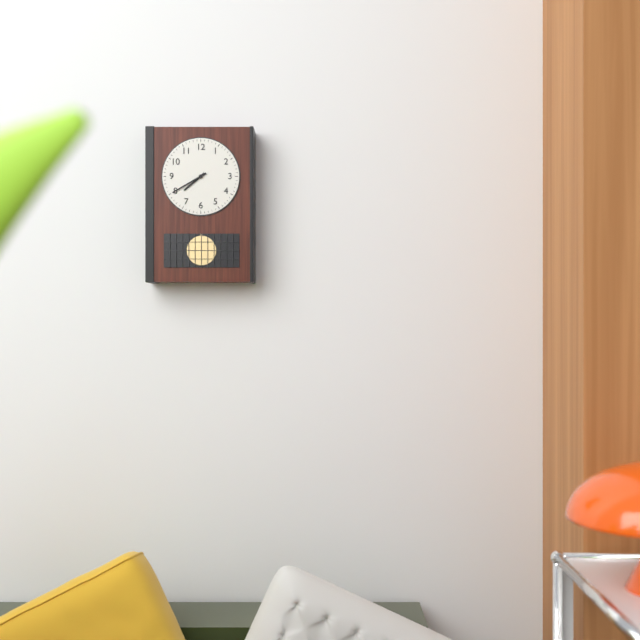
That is h=7 m=40
